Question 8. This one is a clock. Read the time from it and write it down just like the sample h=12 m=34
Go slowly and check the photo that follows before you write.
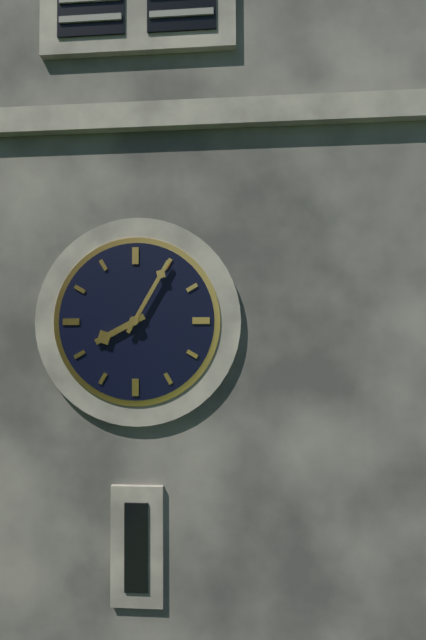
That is h=8 m=5
